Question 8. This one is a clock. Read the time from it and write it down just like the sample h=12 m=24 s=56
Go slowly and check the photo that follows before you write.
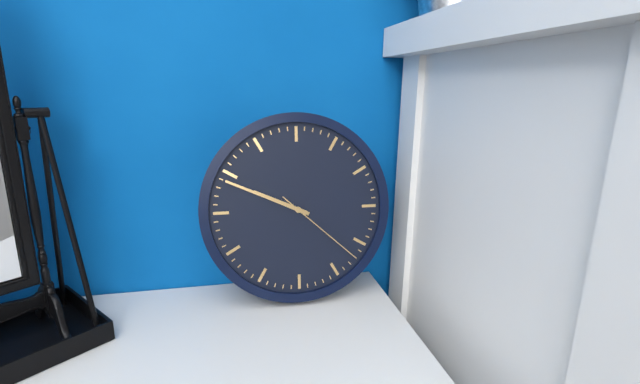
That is h=9 m=49 s=22
